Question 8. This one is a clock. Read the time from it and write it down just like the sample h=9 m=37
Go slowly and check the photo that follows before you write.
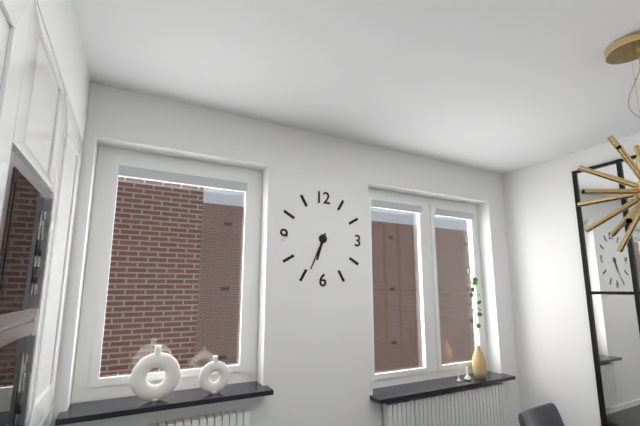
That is h=6 m=34
